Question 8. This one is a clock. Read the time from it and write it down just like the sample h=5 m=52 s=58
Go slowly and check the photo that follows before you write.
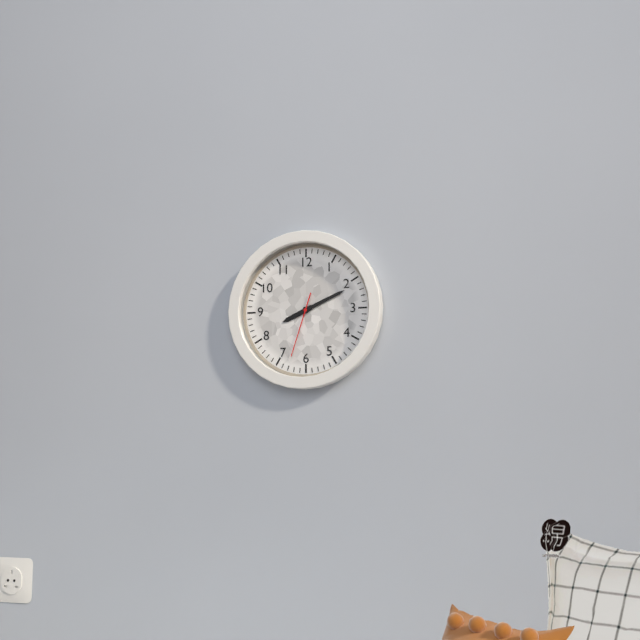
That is h=8 m=11 s=33
